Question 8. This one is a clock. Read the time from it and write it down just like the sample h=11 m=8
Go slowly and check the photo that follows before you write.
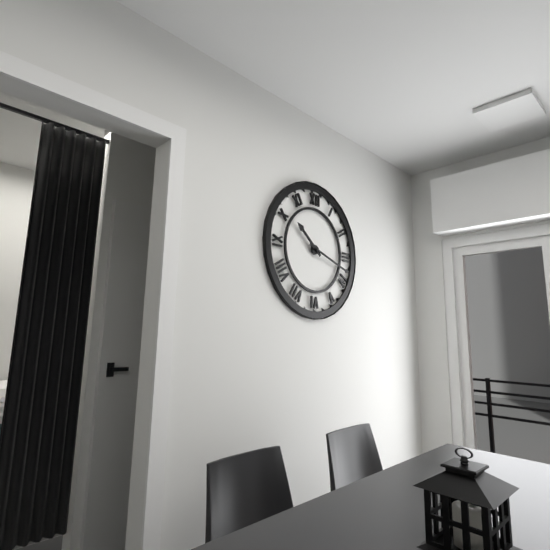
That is h=10 m=18
